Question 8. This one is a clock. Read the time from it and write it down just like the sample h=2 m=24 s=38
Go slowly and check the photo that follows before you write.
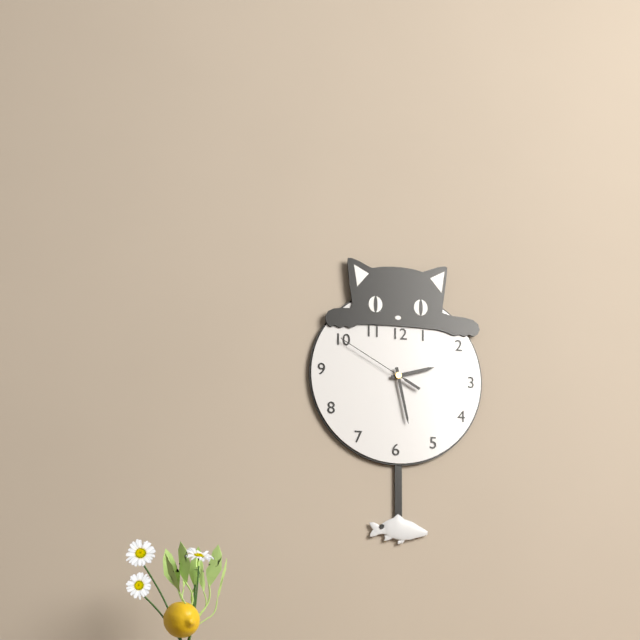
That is h=2 m=28 s=50
